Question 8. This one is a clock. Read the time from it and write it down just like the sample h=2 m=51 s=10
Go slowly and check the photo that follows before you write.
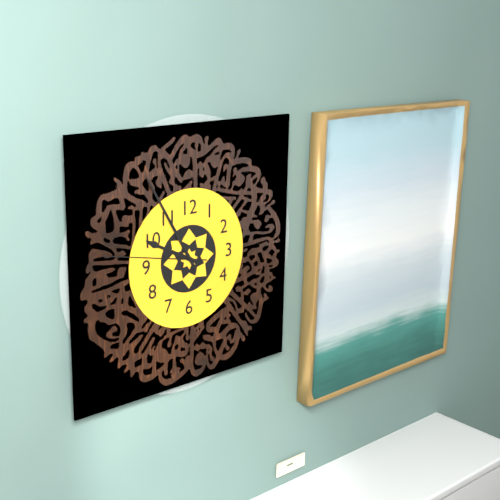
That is h=9 m=55 s=47
